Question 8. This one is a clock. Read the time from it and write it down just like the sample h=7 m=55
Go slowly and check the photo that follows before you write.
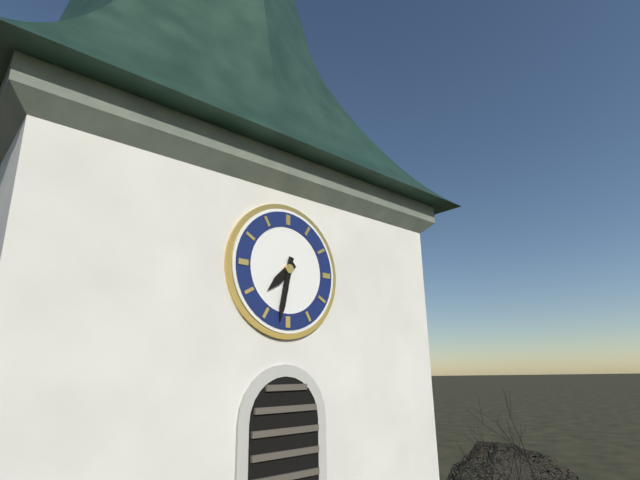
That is h=7 m=32
